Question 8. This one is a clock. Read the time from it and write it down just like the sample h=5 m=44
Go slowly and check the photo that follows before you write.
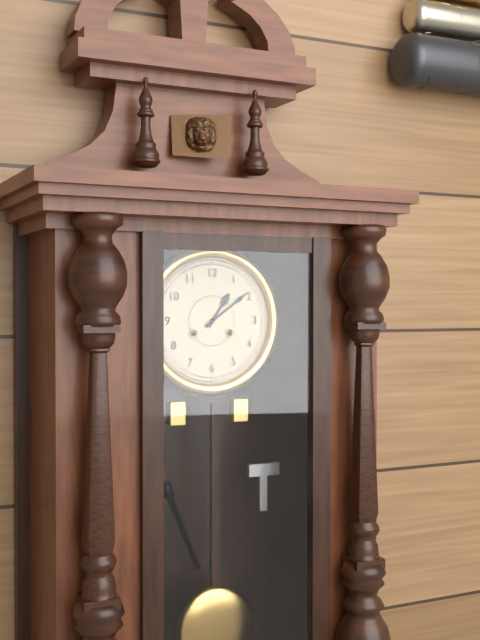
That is h=1 m=9
